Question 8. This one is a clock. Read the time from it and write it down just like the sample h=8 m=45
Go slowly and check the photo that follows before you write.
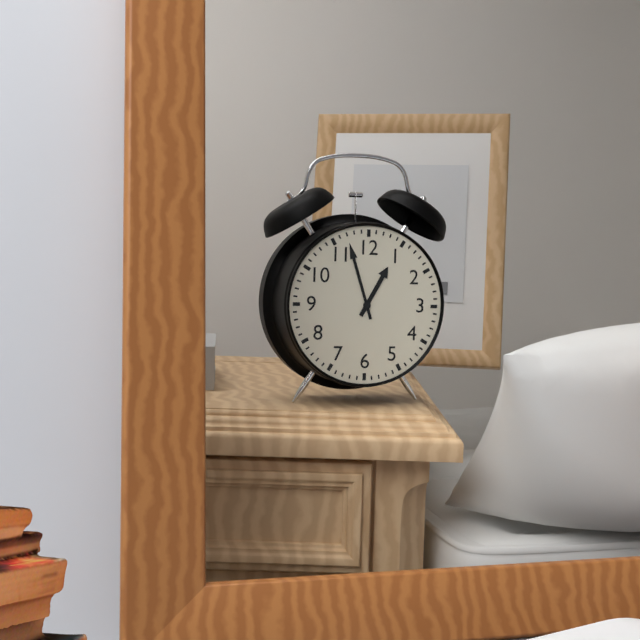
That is h=12 m=57
